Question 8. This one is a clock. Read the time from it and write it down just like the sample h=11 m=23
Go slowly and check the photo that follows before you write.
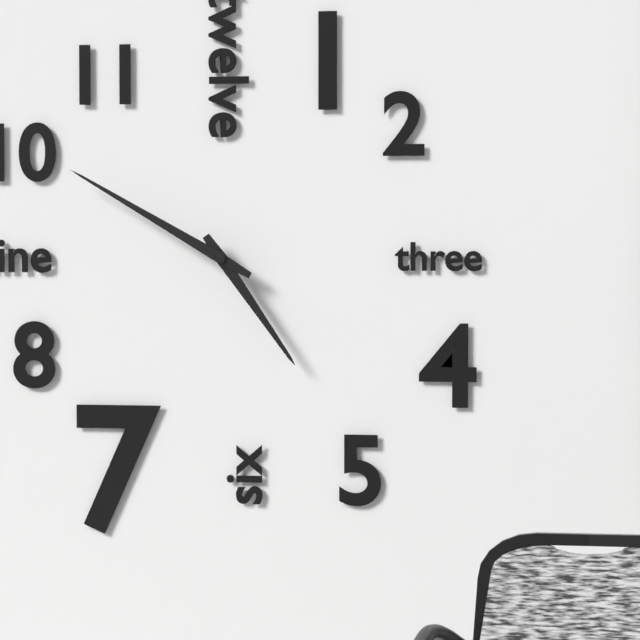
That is h=4 m=50
